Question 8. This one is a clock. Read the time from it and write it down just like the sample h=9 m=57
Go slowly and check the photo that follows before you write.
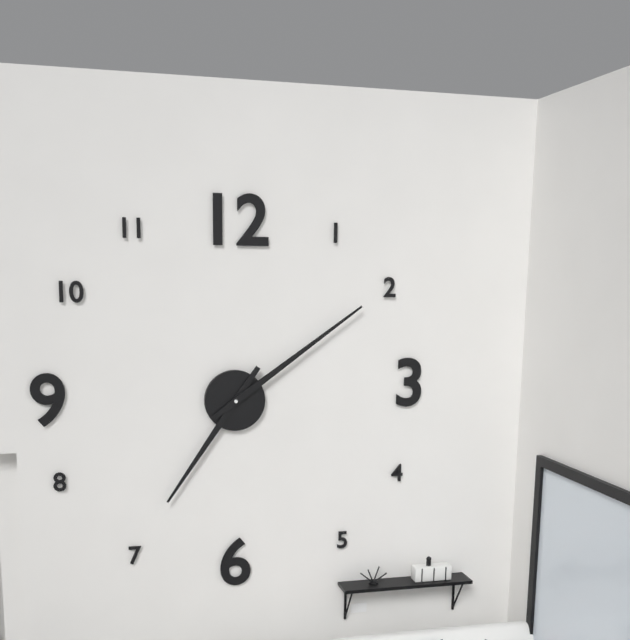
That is h=7 m=9
